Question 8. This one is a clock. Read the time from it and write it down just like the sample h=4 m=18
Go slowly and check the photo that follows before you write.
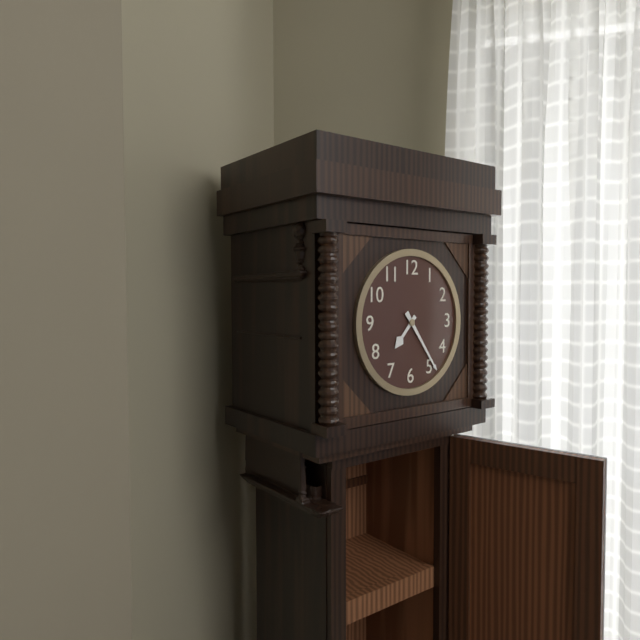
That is h=7 m=24
